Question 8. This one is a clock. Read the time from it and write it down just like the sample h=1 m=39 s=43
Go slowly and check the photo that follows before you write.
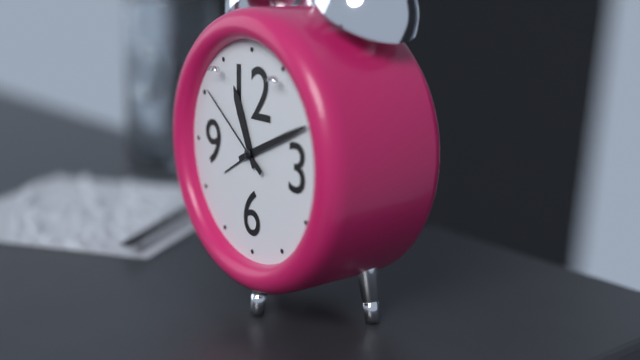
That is h=11 m=11 s=51
